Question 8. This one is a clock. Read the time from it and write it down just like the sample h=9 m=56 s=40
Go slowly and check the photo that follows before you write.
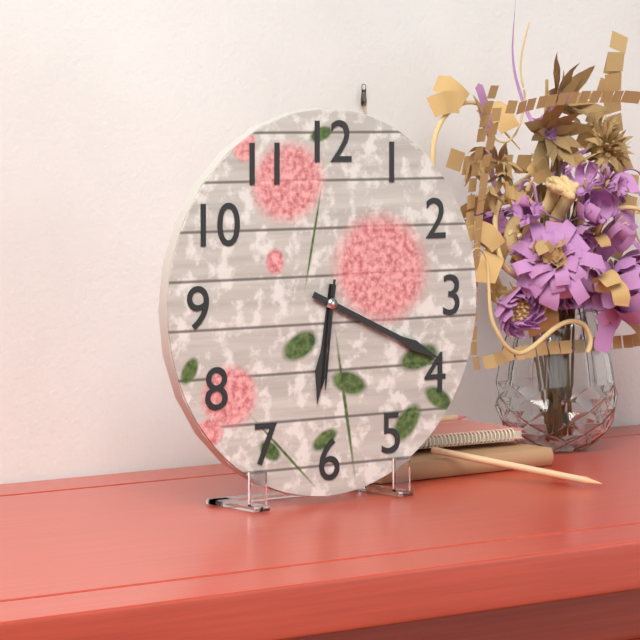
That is h=6 m=19 s=31
